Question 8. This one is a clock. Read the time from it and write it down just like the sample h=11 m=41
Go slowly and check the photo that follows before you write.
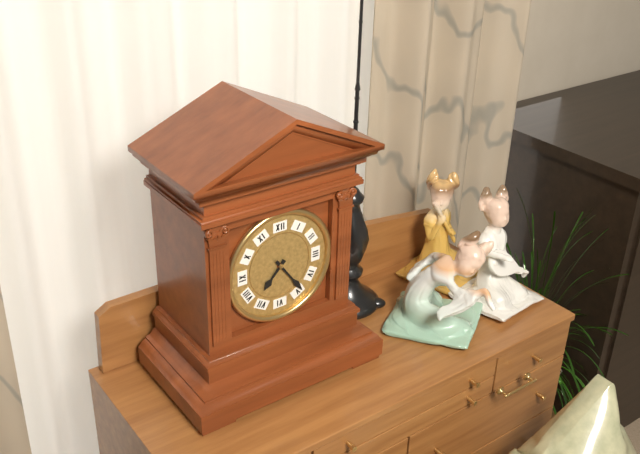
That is h=7 m=24
